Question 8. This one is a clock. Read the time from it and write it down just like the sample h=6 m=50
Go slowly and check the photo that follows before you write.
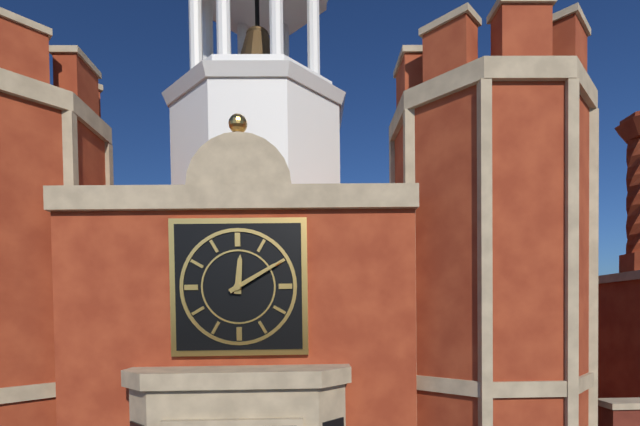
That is h=12 m=10
